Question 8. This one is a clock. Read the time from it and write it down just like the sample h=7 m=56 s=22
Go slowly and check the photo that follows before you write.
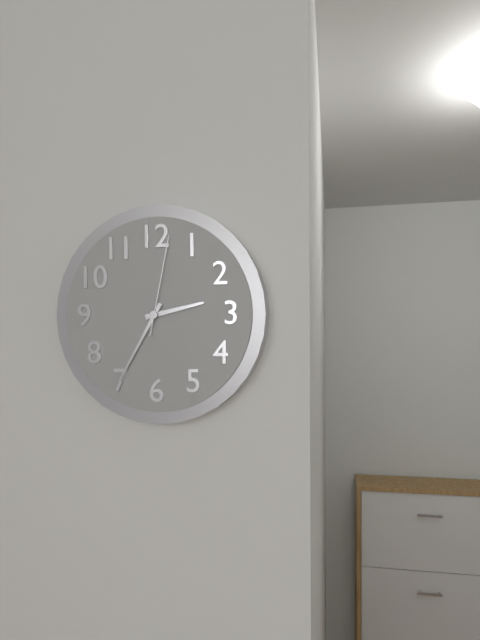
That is h=2 m=35 s=2
